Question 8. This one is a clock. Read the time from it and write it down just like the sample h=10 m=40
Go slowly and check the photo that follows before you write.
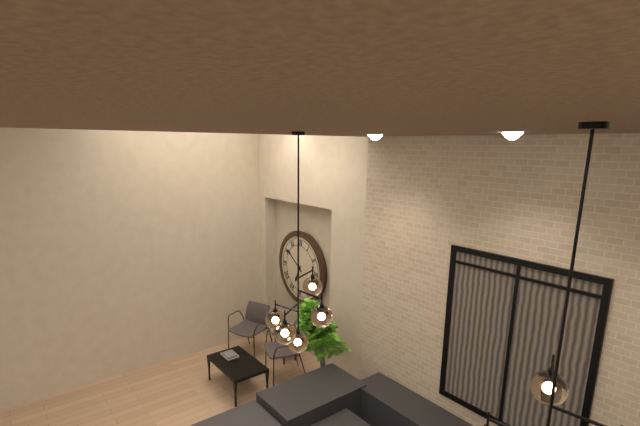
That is h=6 m=51
